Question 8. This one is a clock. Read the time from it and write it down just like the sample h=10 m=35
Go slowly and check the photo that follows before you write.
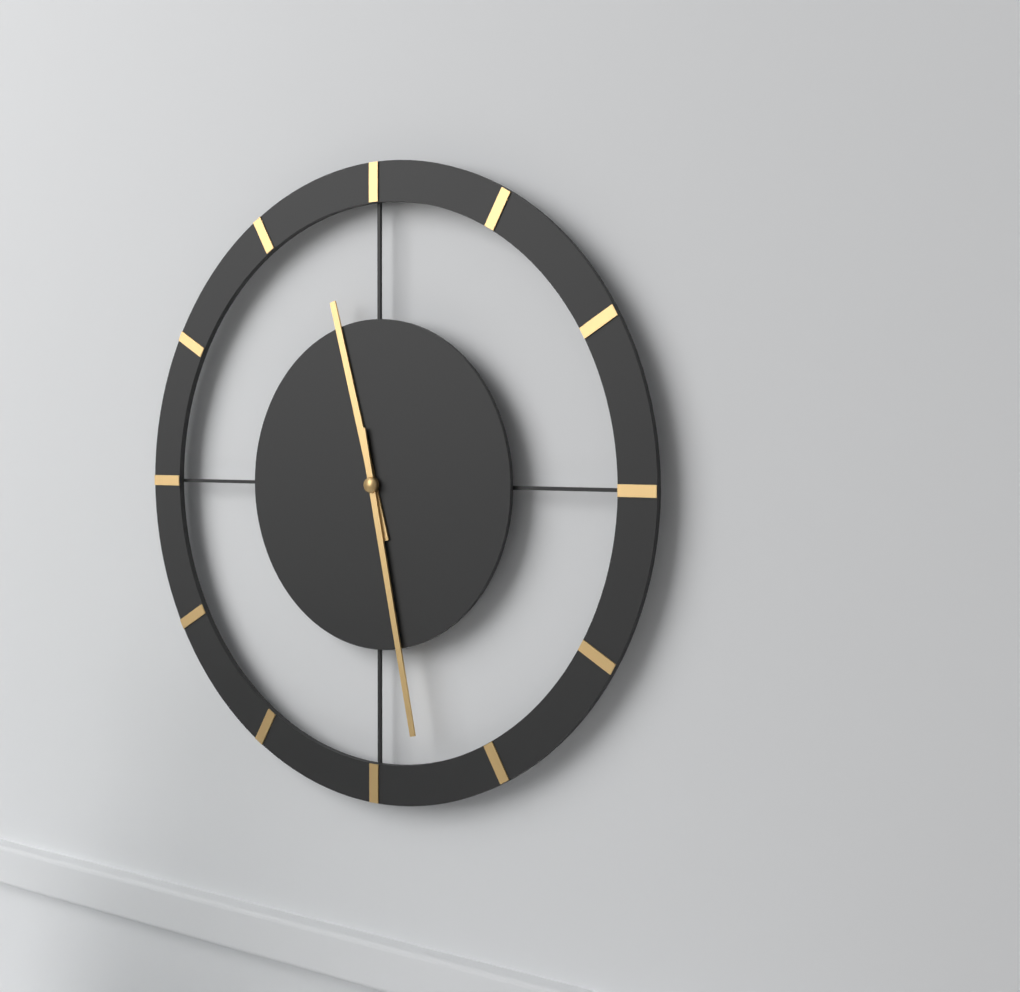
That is h=11 m=28
